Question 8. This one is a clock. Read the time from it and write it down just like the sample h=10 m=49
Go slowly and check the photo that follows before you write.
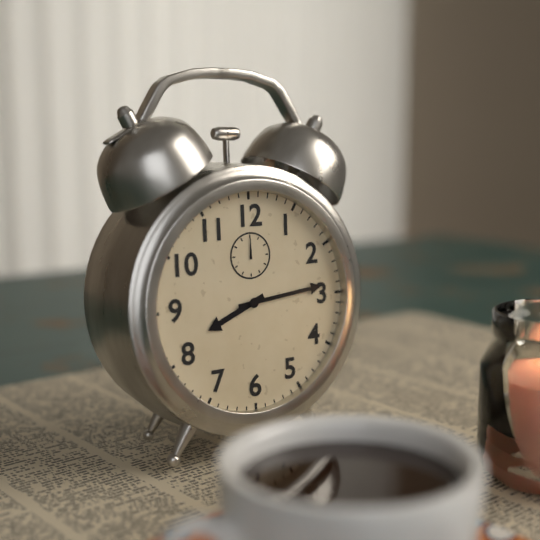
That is h=8 m=14
